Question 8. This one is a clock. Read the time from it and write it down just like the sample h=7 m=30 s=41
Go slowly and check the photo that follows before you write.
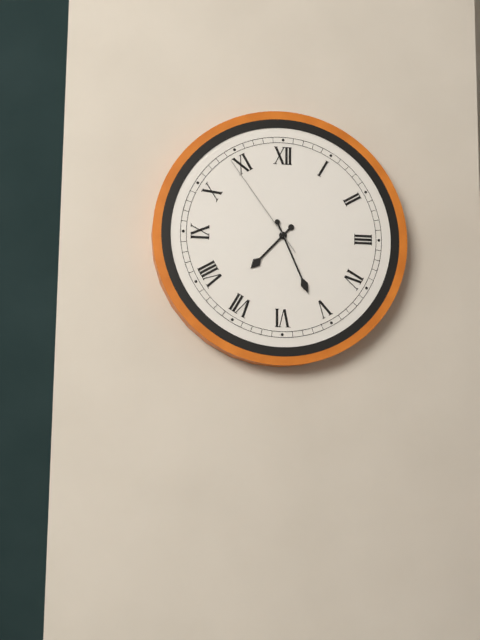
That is h=7 m=26 s=54
